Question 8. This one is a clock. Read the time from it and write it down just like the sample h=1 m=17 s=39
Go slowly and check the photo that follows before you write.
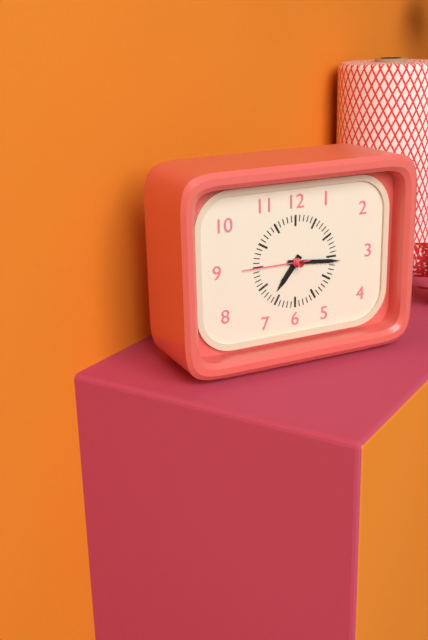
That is h=7 m=16 s=45
